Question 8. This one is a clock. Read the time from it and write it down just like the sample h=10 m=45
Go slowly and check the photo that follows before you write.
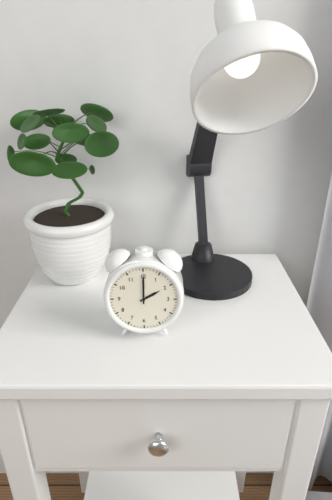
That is h=2 m=0
